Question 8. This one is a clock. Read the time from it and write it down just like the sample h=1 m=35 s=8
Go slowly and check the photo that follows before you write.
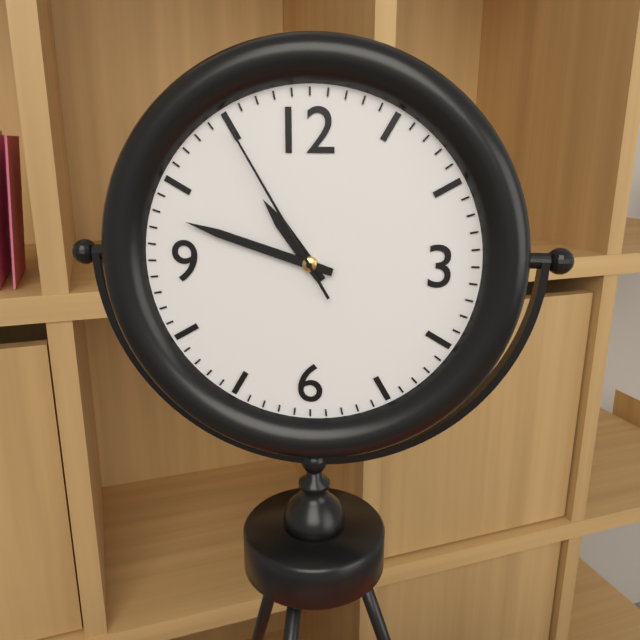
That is h=10 m=48 s=55
